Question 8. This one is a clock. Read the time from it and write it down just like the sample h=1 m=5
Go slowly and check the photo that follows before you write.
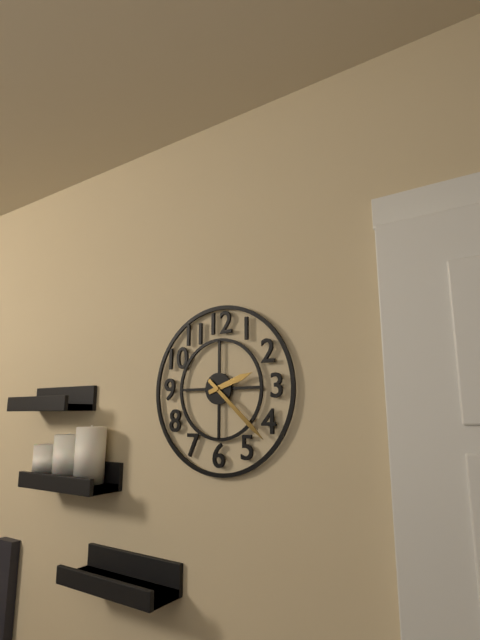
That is h=2 m=22
